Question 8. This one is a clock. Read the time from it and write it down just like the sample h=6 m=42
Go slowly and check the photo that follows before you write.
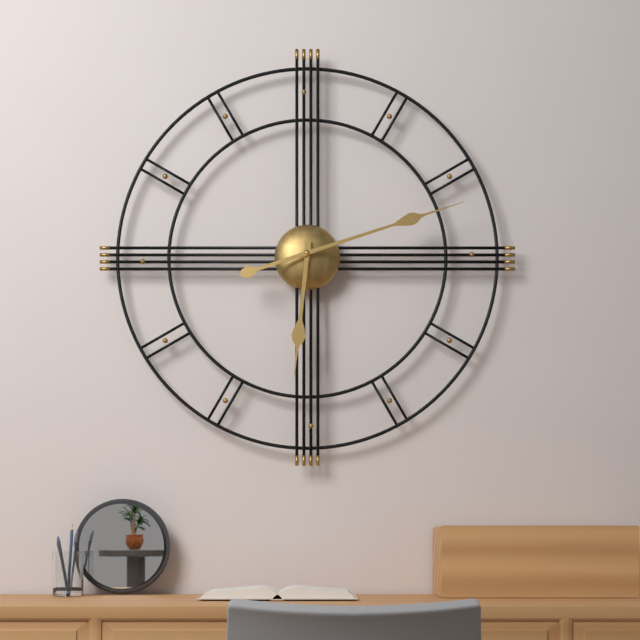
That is h=6 m=12
